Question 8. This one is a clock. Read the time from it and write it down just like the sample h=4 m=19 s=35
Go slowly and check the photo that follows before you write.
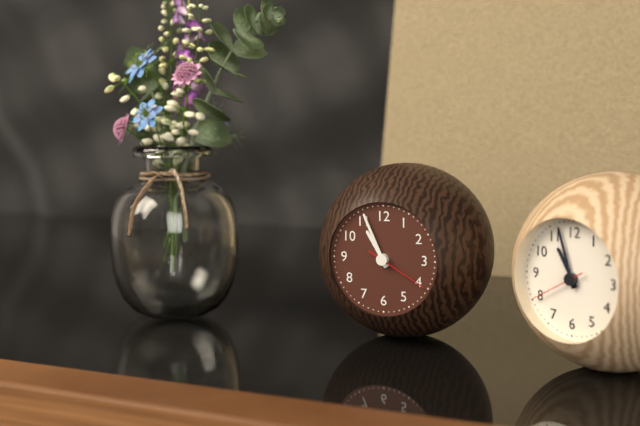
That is h=10 m=56 s=20
